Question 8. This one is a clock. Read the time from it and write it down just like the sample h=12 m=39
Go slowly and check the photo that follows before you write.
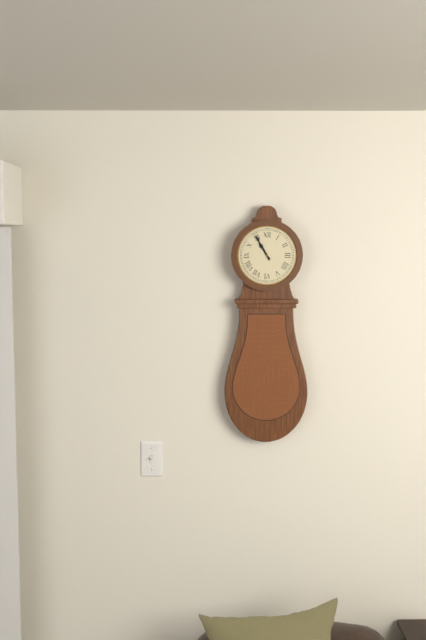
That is h=10 m=55
